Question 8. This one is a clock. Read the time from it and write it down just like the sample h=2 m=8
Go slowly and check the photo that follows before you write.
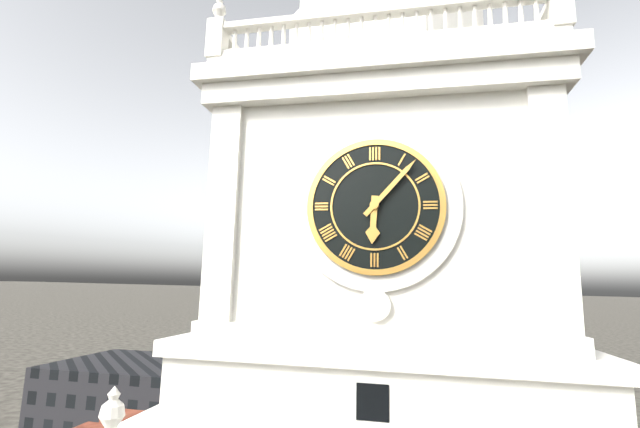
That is h=6 m=7
